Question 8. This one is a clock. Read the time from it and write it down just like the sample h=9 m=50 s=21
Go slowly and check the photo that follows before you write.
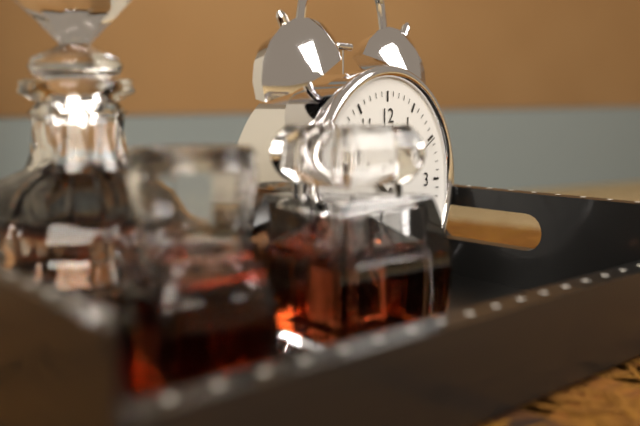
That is h=6 m=52 s=10
